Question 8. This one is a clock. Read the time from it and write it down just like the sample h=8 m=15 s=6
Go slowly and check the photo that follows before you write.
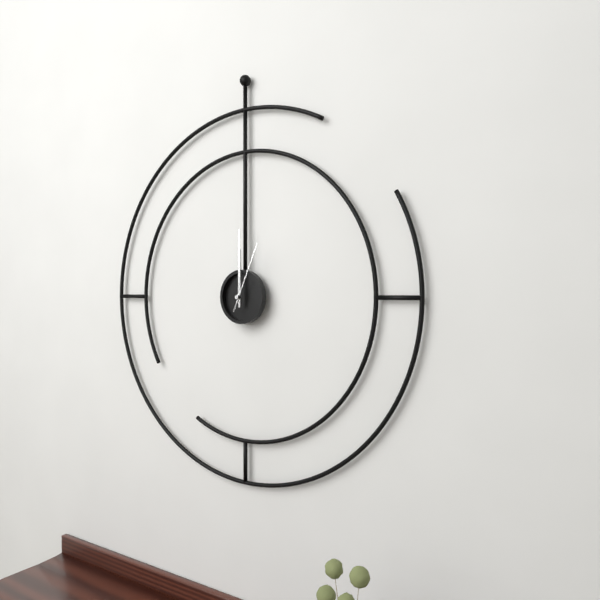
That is h=12 m=0 s=4
